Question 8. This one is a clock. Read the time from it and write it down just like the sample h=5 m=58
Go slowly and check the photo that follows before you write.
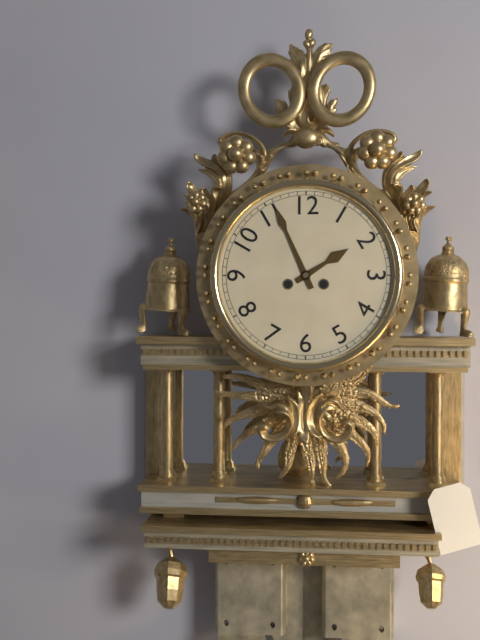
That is h=1 m=56
